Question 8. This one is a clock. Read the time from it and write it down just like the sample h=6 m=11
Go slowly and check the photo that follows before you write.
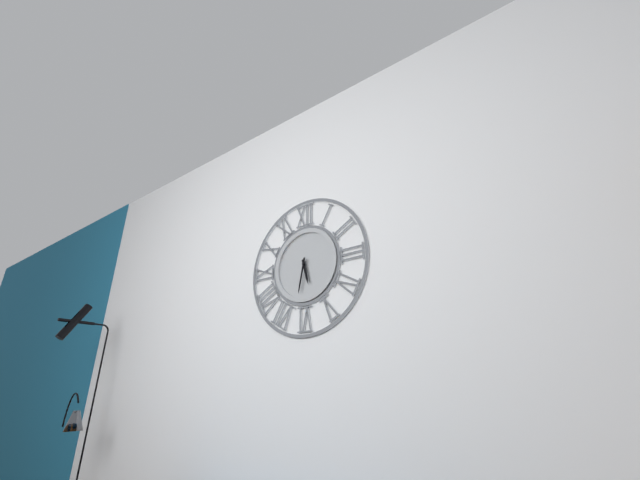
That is h=5 m=32
